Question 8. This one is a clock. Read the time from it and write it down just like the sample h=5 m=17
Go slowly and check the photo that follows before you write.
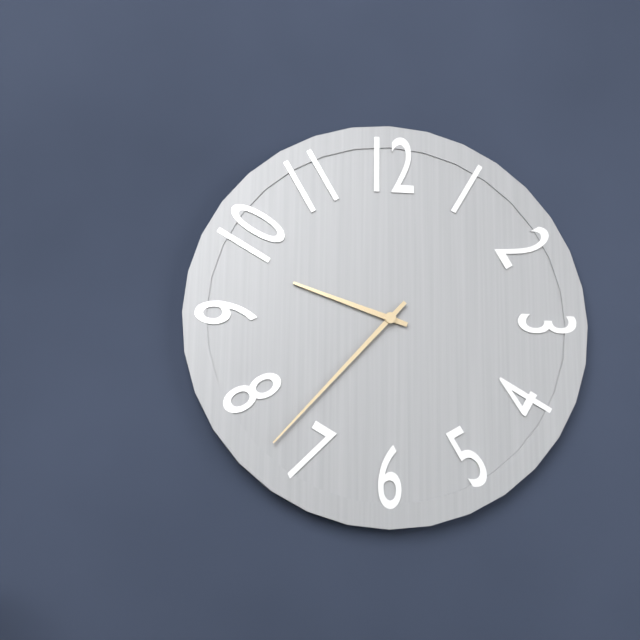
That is h=9 m=37
